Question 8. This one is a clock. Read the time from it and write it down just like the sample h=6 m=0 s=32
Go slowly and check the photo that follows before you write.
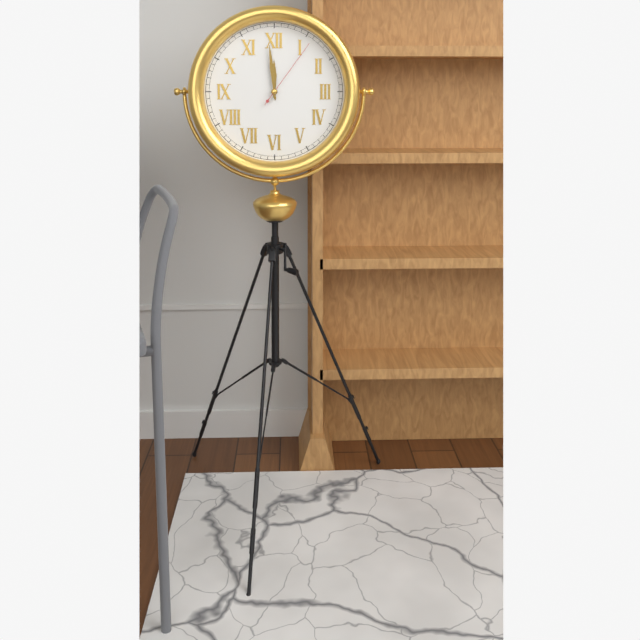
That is h=11 m=59 s=6
